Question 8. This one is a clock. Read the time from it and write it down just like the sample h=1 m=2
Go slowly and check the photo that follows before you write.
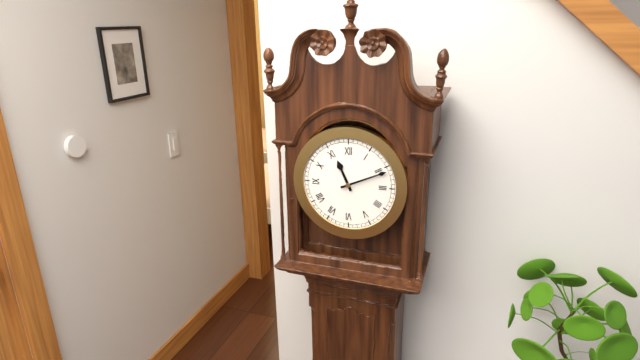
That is h=11 m=11
